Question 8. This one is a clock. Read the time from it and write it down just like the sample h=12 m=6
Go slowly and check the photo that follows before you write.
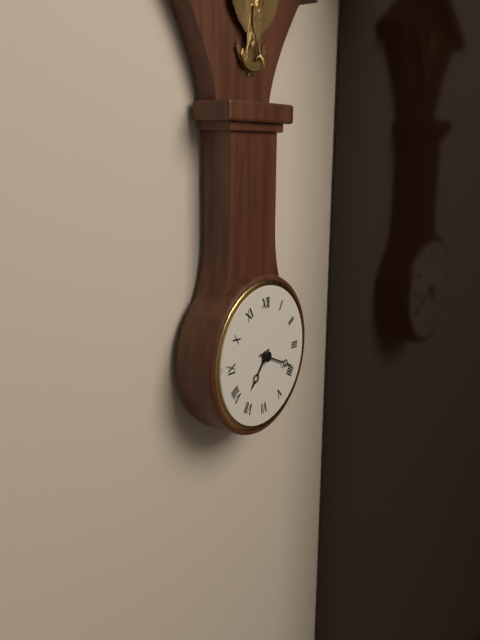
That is h=7 m=19
